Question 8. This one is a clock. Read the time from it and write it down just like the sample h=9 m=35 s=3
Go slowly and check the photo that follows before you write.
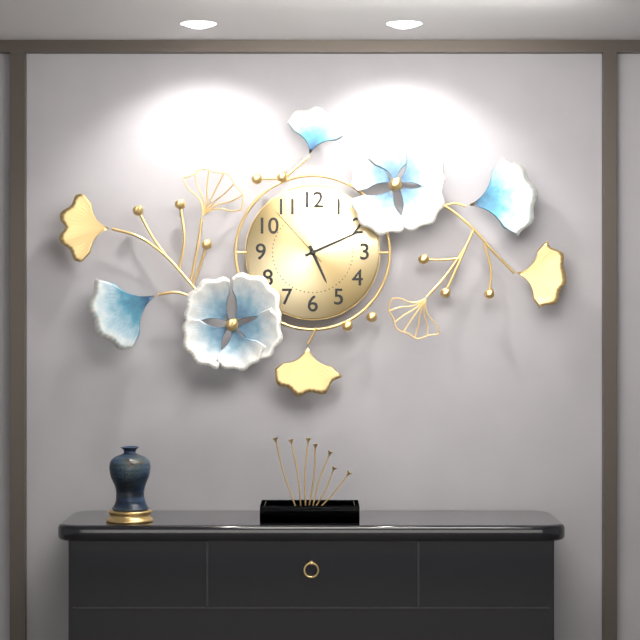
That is h=5 m=11 s=53
